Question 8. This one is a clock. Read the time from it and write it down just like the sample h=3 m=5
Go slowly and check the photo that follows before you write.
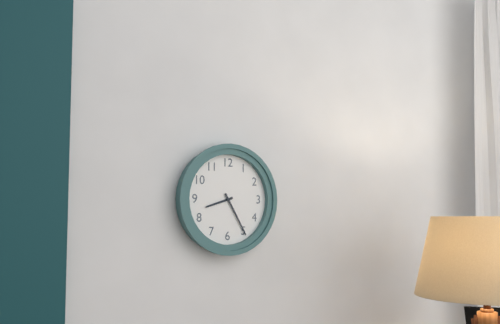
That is h=8 m=25
